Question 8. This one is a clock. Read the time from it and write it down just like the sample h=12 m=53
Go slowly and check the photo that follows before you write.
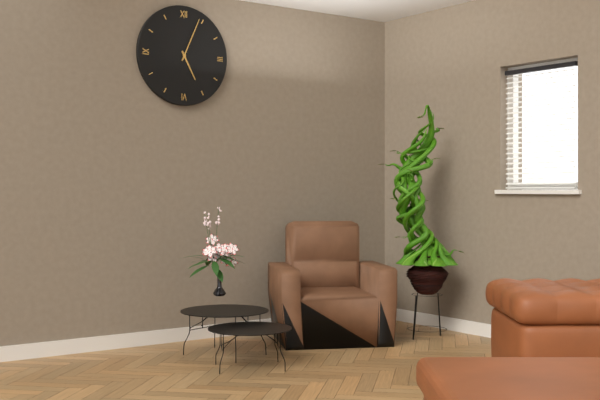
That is h=5 m=4
